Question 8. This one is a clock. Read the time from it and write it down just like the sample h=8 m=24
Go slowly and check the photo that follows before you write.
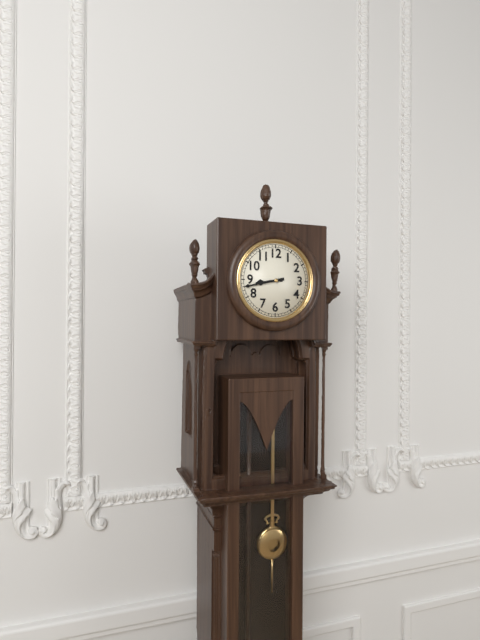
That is h=8 m=43
